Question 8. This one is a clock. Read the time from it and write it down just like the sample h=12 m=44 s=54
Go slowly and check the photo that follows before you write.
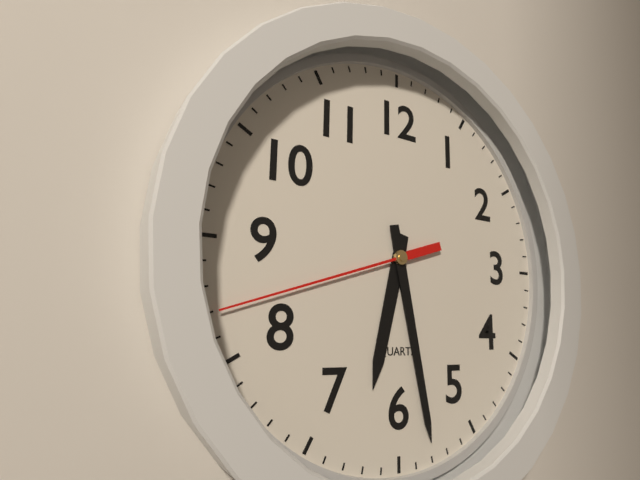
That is h=6 m=28 s=42
